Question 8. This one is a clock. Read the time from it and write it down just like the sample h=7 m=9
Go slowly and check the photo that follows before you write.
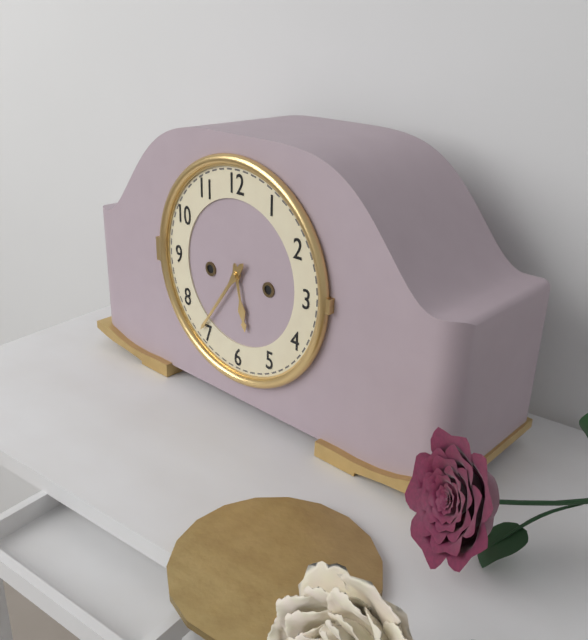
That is h=5 m=36
